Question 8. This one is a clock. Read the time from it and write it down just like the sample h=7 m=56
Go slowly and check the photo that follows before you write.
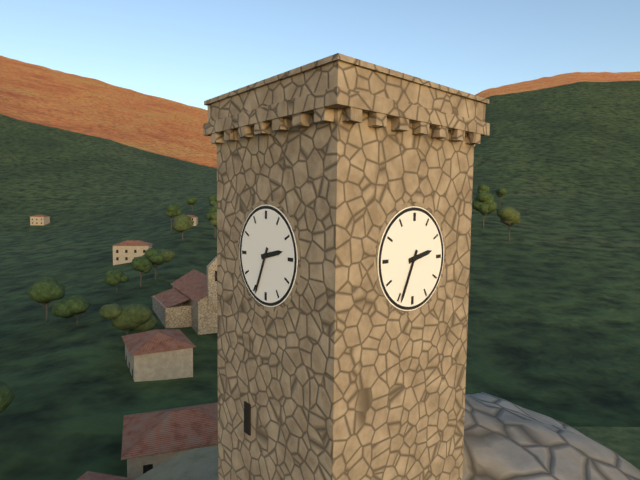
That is h=2 m=34
